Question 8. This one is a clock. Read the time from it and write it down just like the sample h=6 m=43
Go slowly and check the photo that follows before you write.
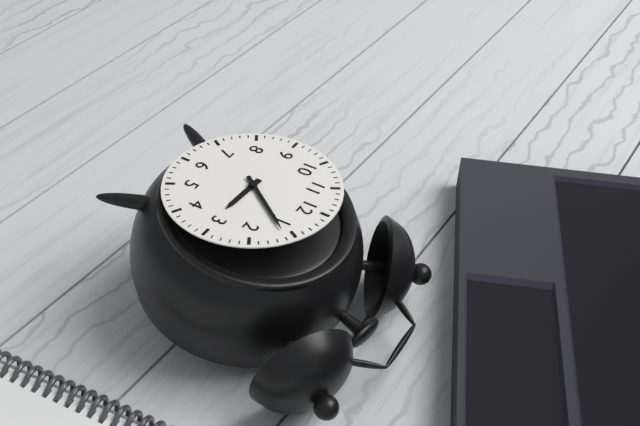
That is h=3 m=6
